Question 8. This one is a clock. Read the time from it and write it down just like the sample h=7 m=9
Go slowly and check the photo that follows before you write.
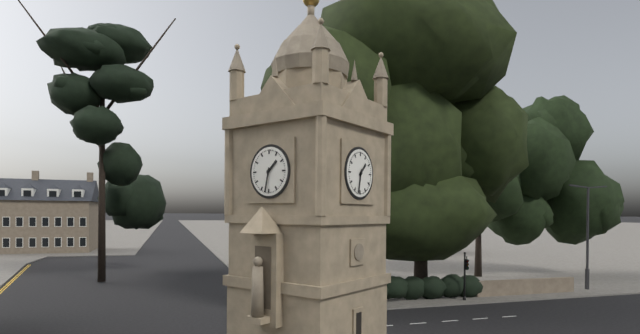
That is h=1 m=32
